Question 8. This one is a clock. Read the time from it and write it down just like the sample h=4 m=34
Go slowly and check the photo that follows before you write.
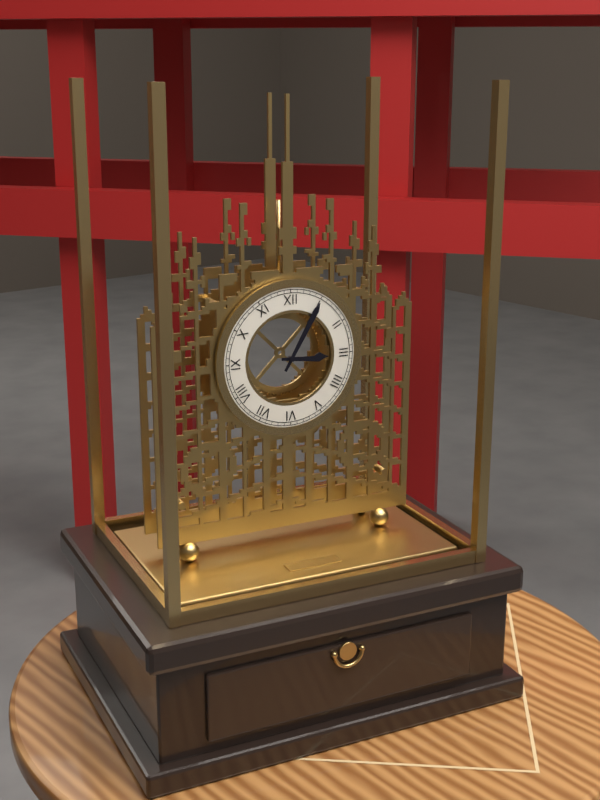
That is h=3 m=5
